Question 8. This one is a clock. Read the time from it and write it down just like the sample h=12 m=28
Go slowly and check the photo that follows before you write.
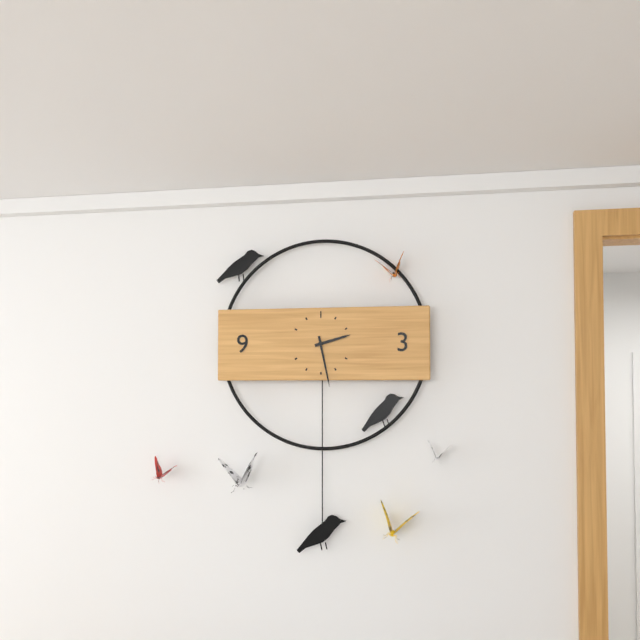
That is h=2 m=28
